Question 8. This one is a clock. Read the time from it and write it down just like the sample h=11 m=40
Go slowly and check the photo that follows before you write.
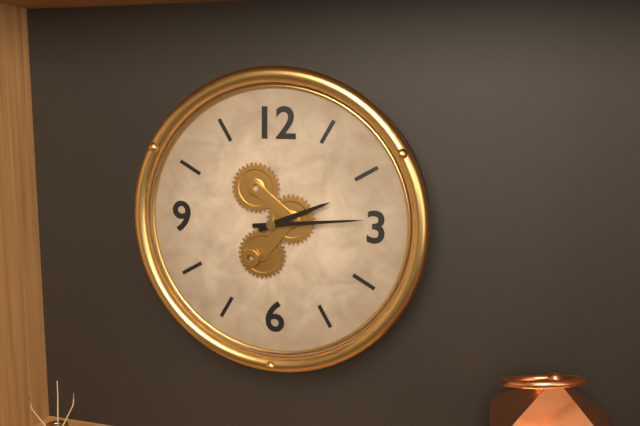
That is h=2 m=14
